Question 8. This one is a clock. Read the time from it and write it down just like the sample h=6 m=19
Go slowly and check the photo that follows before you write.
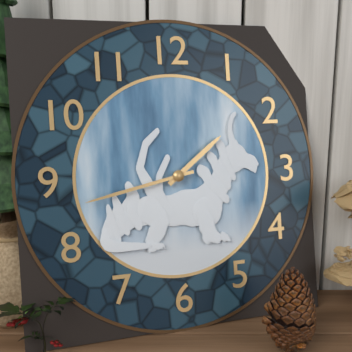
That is h=1 m=43
